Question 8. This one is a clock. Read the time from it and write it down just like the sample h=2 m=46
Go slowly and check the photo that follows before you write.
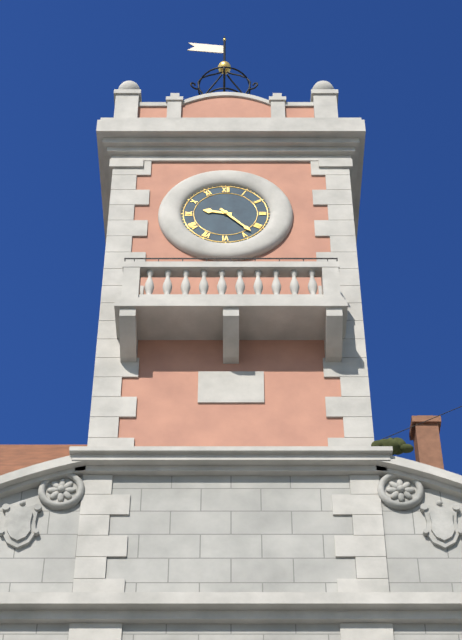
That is h=9 m=23
